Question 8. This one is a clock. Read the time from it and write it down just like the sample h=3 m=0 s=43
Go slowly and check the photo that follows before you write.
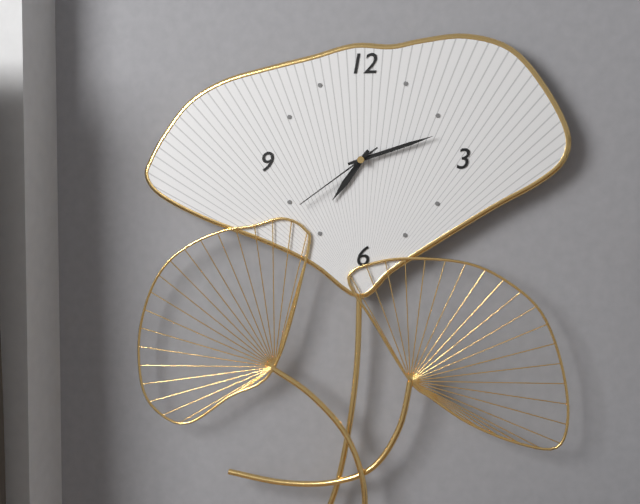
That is h=7 m=12 s=39
